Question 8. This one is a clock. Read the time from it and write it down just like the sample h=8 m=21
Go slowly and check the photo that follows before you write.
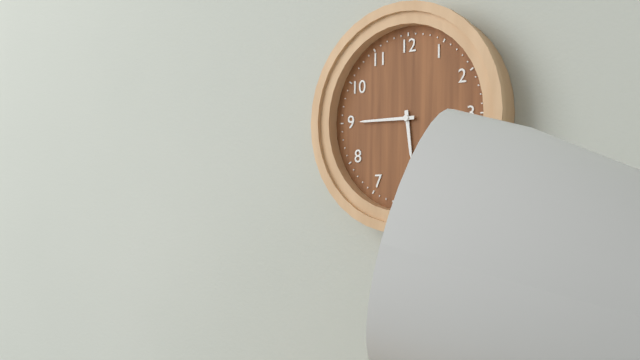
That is h=5 m=45
